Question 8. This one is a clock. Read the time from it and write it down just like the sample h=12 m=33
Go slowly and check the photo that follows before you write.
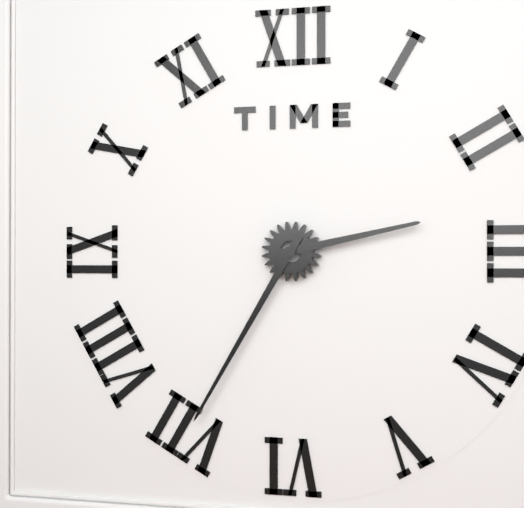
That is h=2 m=35
